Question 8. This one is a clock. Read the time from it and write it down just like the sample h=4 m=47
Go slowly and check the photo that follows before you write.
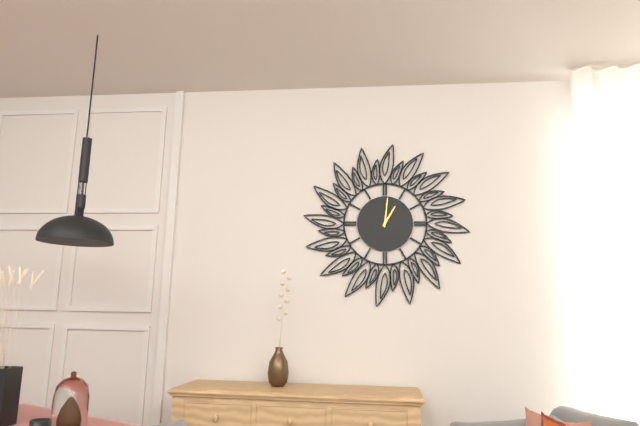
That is h=1 m=1
